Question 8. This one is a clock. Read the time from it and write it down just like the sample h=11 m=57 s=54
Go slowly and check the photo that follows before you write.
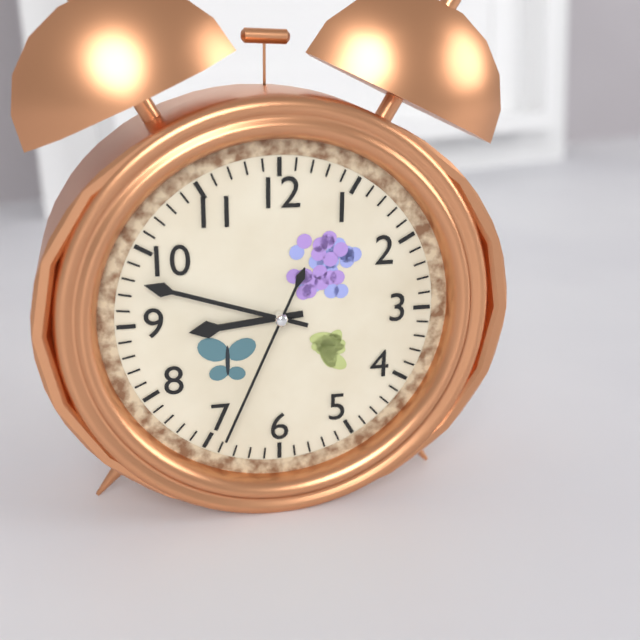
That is h=8 m=48 s=34
